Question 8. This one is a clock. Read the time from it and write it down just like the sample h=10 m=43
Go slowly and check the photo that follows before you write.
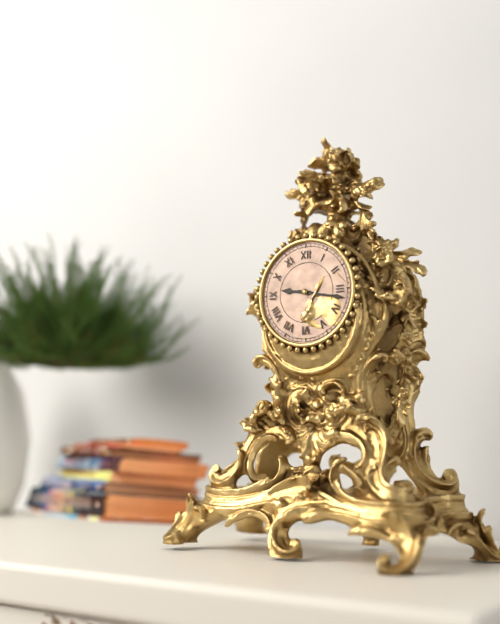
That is h=9 m=17
